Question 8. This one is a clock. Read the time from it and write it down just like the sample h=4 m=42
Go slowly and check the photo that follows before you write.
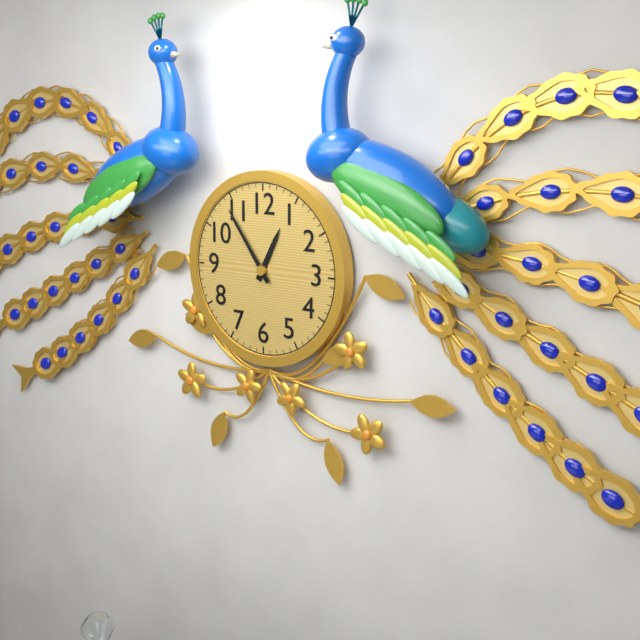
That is h=12 m=54
